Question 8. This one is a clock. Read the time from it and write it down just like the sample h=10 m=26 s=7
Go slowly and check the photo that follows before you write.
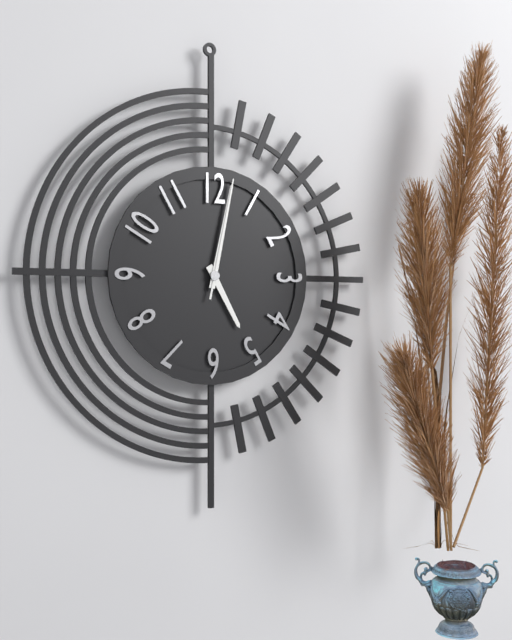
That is h=5 m=2 s=2
